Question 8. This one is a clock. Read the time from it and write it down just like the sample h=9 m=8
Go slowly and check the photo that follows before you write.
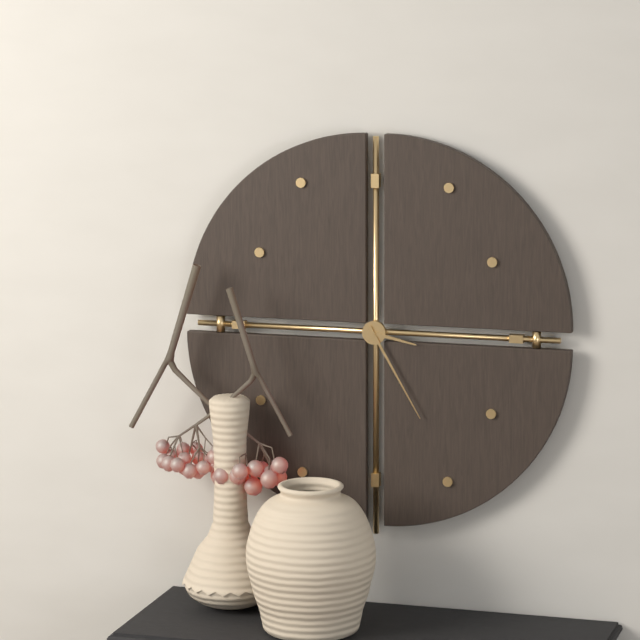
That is h=3 m=25
